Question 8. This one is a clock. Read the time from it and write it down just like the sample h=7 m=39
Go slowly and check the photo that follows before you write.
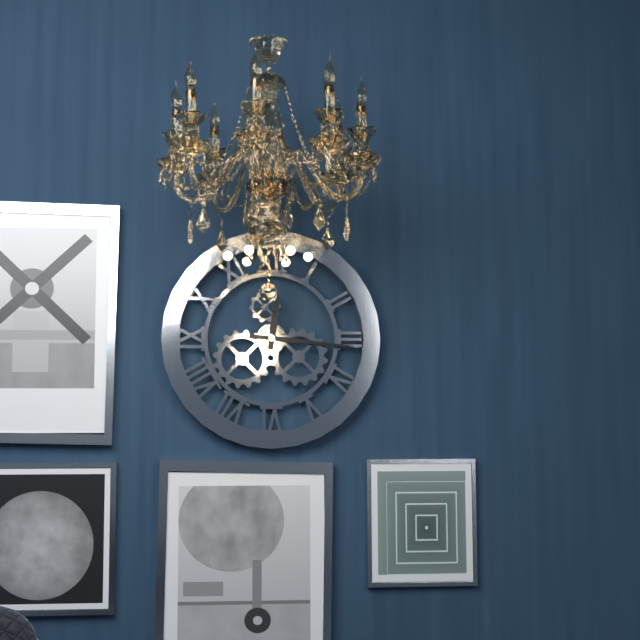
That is h=12 m=16
